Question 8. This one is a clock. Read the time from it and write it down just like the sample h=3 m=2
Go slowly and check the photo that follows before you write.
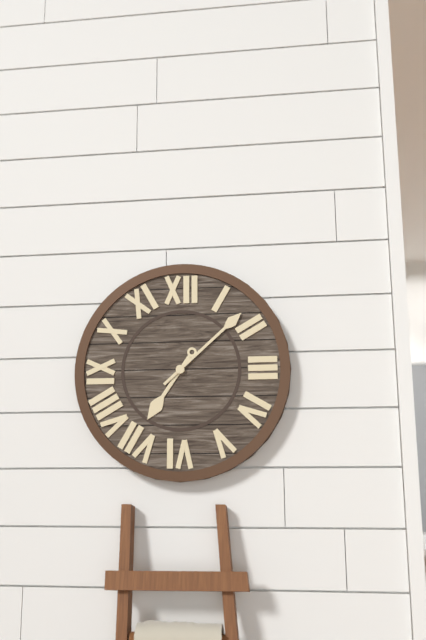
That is h=7 m=8
